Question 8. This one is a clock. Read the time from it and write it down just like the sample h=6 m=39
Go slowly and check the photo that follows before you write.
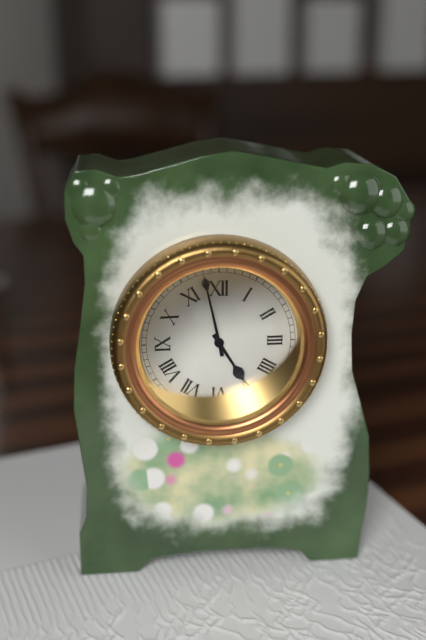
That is h=4 m=58
